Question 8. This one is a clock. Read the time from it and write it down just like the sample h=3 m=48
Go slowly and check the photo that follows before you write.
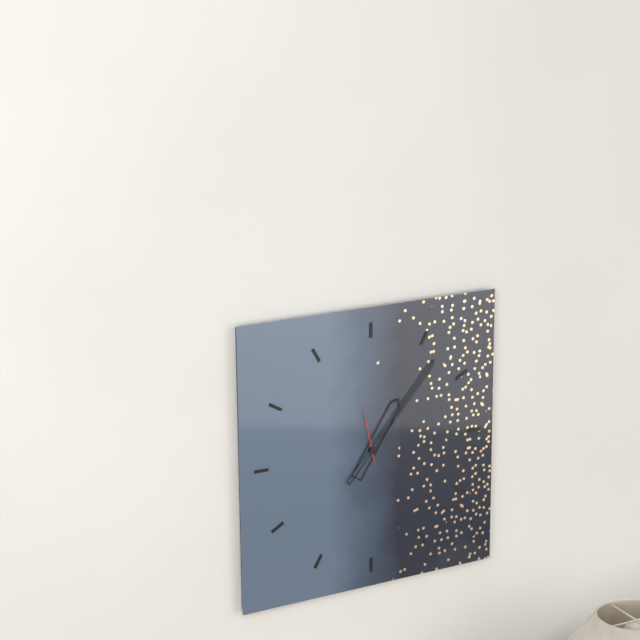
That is h=1 m=7
